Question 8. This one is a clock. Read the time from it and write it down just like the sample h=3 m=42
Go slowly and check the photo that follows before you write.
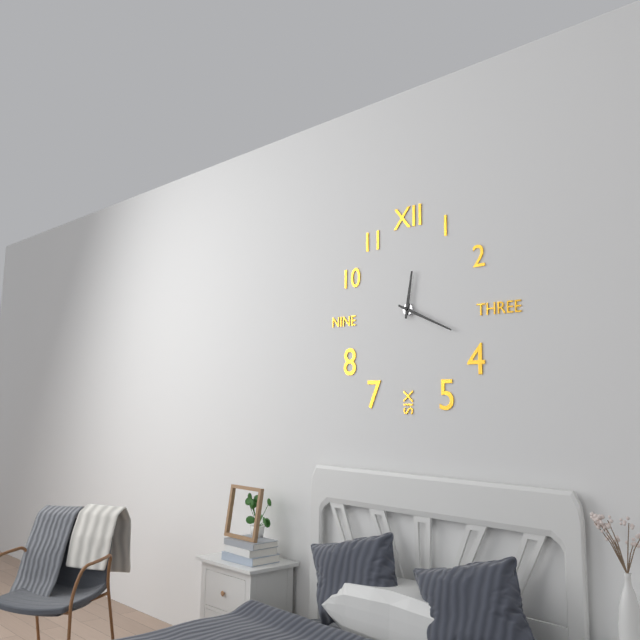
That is h=12 m=19
